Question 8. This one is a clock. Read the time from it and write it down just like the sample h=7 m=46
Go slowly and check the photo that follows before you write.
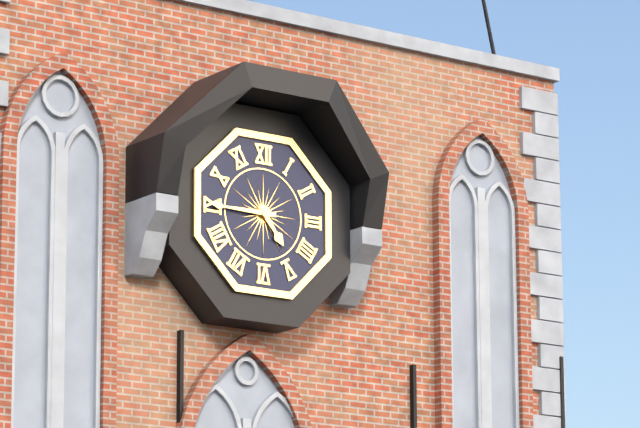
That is h=4 m=45
